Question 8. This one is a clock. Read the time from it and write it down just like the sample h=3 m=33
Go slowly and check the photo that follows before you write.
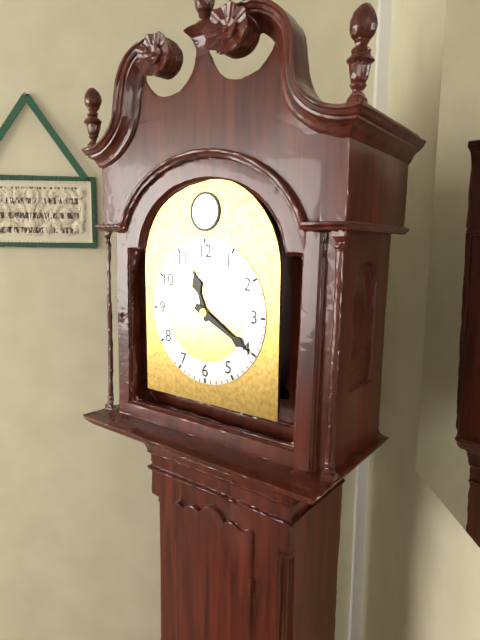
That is h=11 m=20
